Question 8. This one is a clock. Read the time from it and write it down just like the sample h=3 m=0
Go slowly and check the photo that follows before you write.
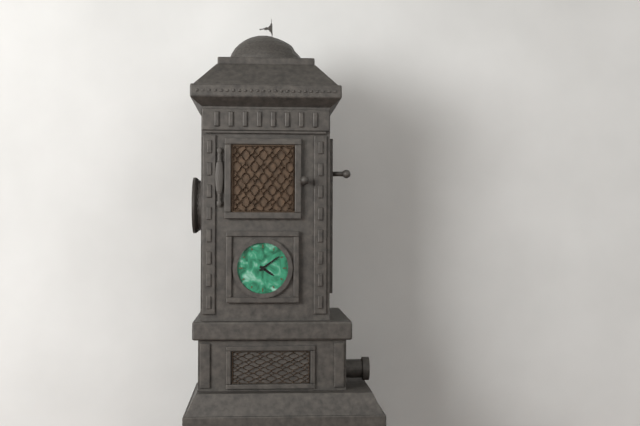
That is h=4 m=9
